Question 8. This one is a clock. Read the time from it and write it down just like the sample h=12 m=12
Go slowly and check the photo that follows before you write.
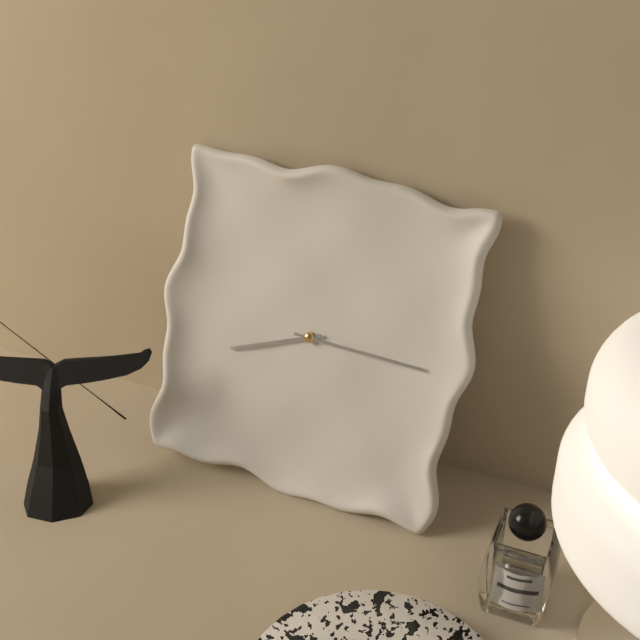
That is h=8 m=15
